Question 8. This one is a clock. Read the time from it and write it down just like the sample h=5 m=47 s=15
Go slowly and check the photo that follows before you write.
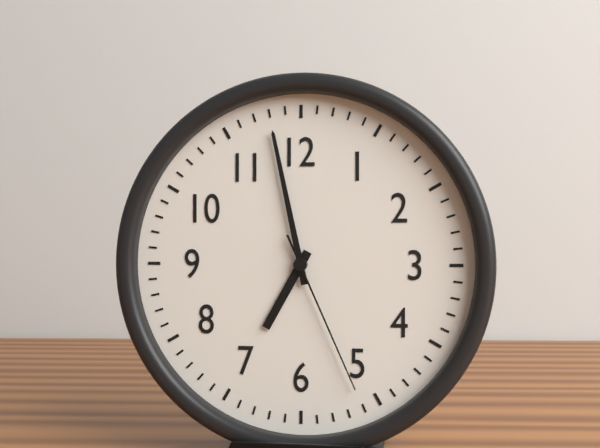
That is h=6 m=58 s=26
